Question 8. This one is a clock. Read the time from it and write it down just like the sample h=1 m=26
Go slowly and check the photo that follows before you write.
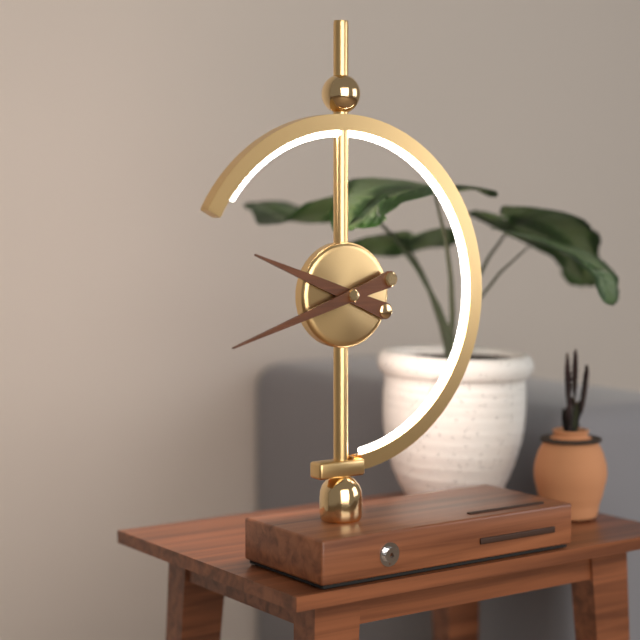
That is h=9 m=42
